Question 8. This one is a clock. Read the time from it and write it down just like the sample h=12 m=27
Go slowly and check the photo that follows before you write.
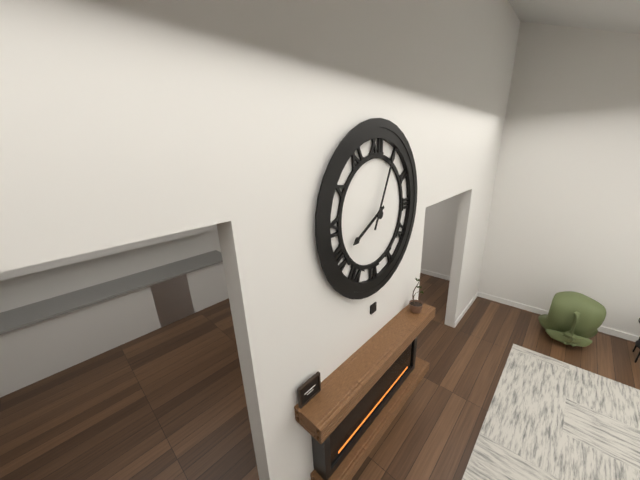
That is h=8 m=4
